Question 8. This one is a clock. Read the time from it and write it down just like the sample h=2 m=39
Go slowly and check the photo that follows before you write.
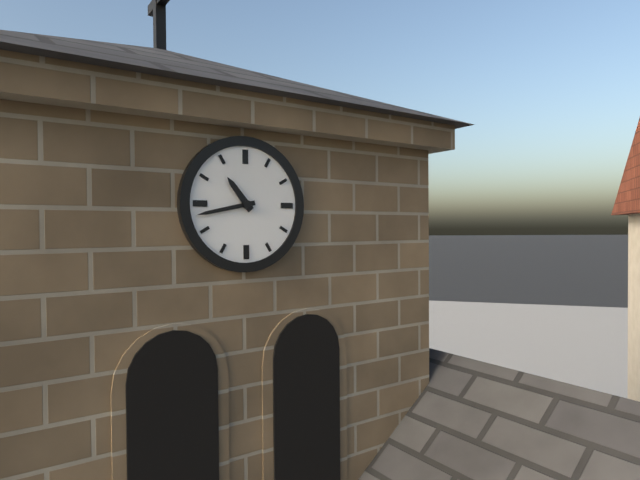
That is h=10 m=43
